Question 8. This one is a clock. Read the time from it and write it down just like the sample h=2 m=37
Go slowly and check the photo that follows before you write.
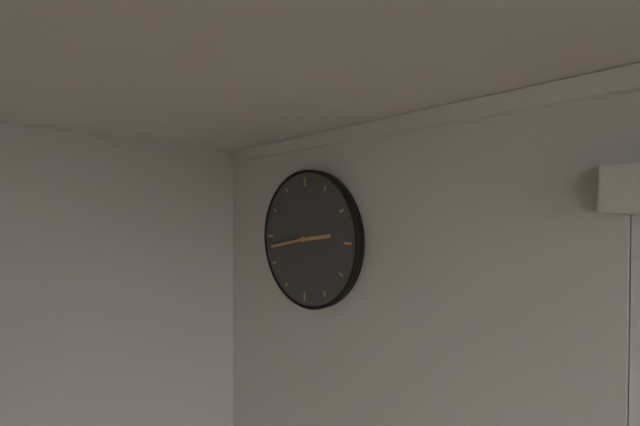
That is h=2 m=43
